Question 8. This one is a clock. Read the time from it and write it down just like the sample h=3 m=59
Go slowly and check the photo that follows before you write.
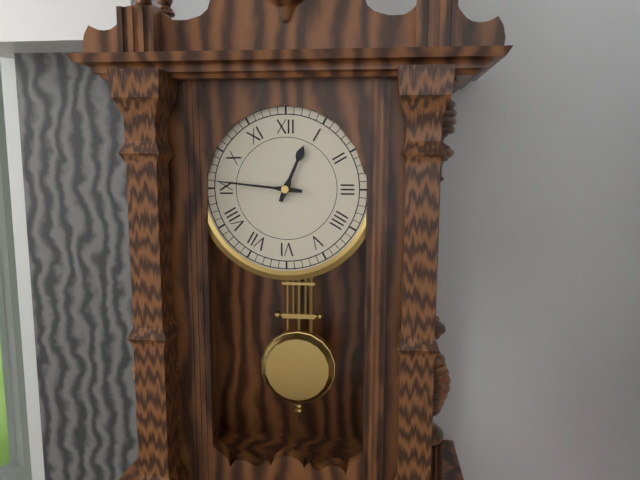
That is h=12 m=46
